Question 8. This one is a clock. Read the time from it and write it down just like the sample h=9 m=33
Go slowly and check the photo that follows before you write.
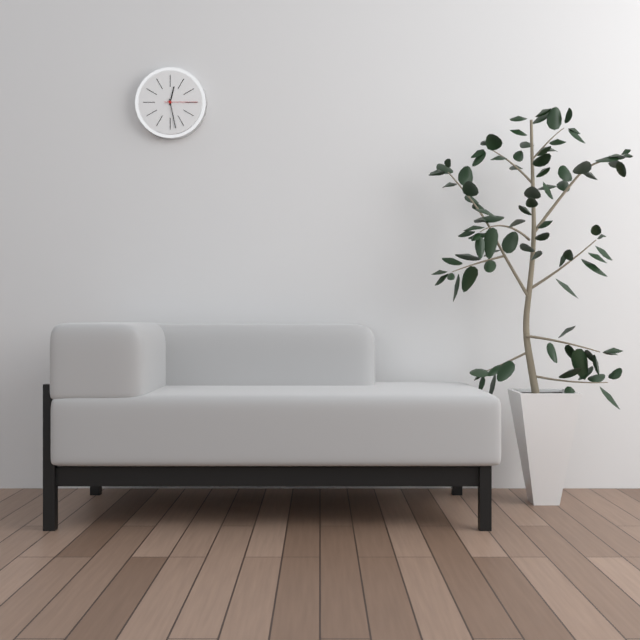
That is h=12 m=28
